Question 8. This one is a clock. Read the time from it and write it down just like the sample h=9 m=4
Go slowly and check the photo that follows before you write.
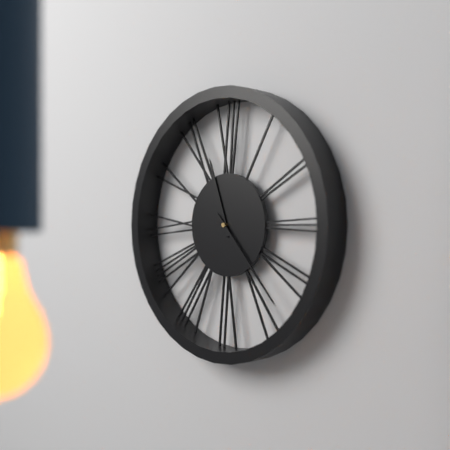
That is h=11 m=23
